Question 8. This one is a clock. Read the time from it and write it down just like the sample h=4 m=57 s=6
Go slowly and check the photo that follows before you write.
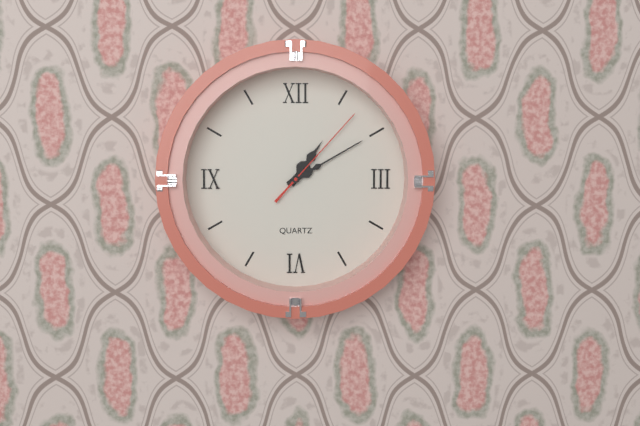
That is h=1 m=10 s=7
